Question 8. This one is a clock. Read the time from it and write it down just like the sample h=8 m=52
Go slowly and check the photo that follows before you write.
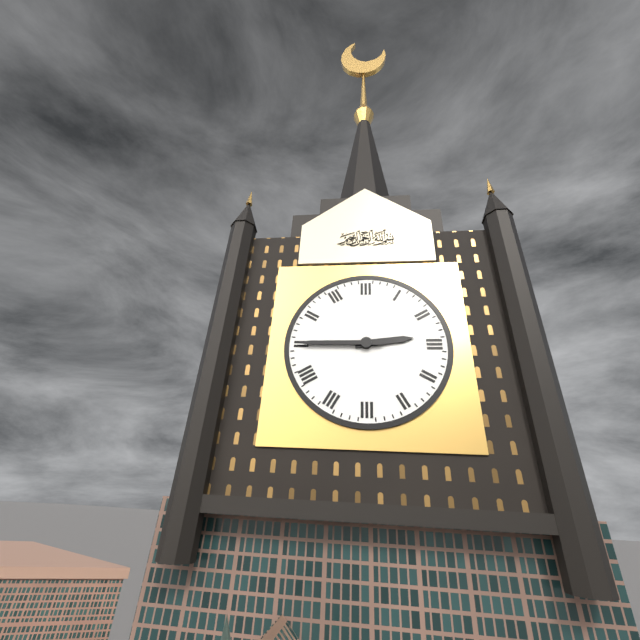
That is h=2 m=45
